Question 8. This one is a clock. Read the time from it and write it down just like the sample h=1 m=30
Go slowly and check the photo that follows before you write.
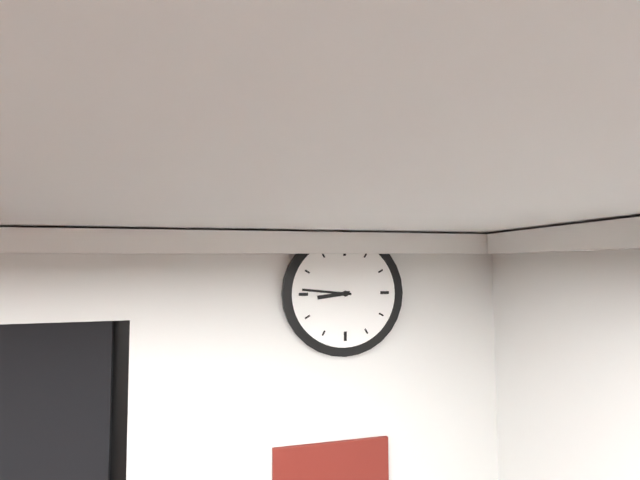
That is h=8 m=46
